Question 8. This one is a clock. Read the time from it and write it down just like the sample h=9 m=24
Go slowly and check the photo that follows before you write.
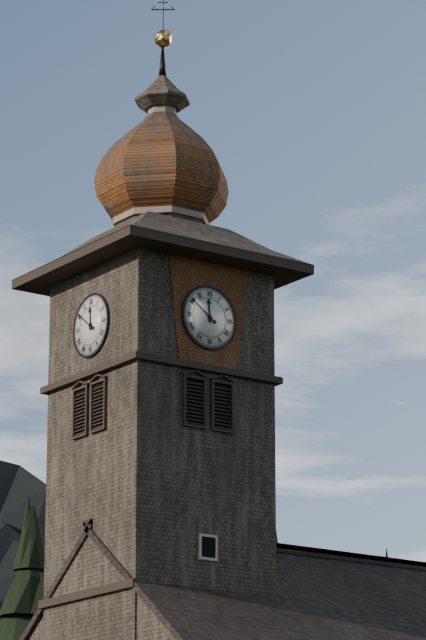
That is h=11 m=51
